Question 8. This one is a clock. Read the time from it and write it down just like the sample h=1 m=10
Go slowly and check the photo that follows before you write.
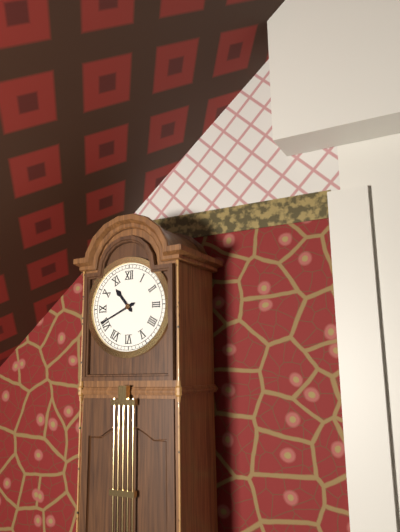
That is h=10 m=41
